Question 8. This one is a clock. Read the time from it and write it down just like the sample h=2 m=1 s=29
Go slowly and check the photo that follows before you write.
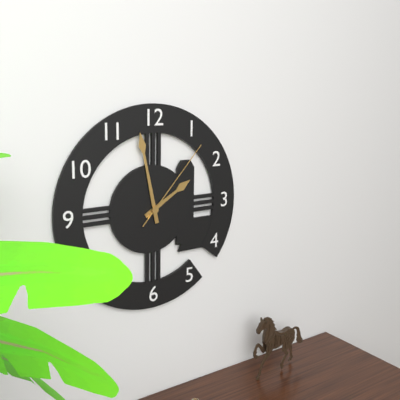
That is h=1 m=58 s=7
